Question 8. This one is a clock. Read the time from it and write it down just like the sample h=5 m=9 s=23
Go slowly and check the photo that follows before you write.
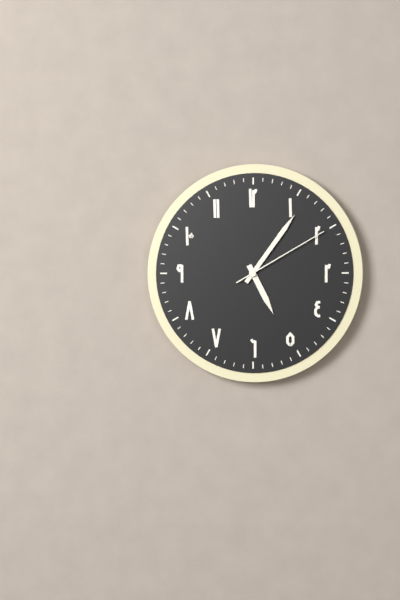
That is h=5 m=6 s=10
